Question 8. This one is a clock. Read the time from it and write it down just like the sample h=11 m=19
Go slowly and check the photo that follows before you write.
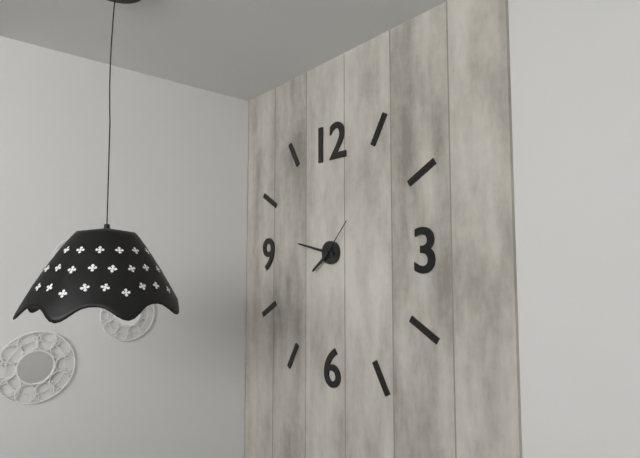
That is h=7 m=47
